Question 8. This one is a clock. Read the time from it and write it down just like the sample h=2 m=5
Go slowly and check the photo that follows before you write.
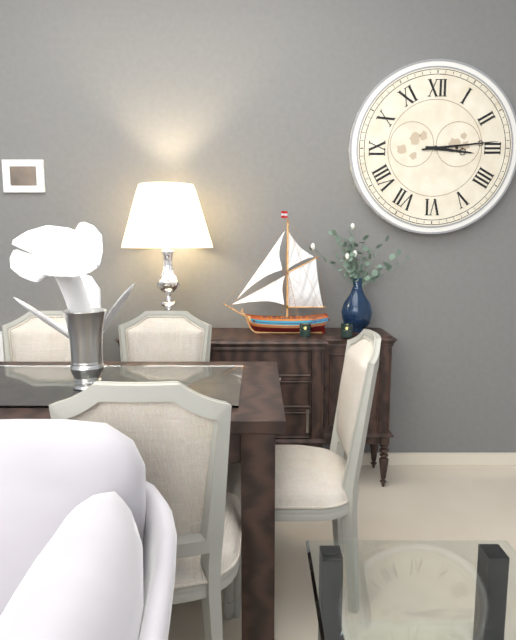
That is h=3 m=14
